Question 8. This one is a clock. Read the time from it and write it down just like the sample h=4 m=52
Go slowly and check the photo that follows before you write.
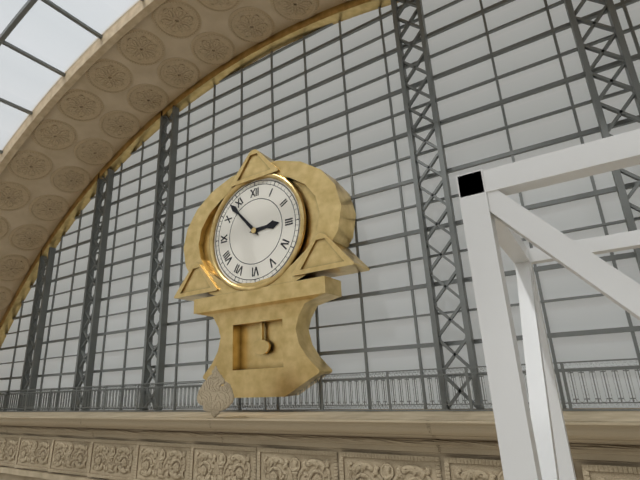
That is h=2 m=53
